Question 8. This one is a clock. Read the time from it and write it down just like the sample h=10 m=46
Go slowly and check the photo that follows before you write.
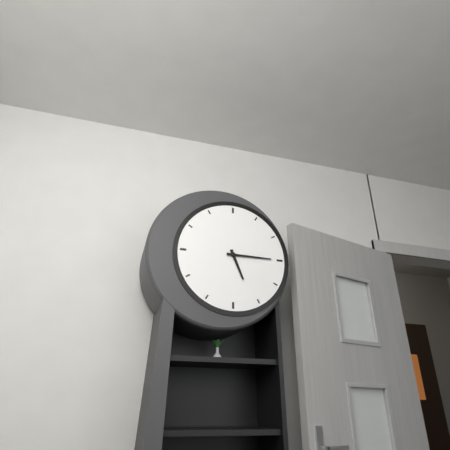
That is h=5 m=15
